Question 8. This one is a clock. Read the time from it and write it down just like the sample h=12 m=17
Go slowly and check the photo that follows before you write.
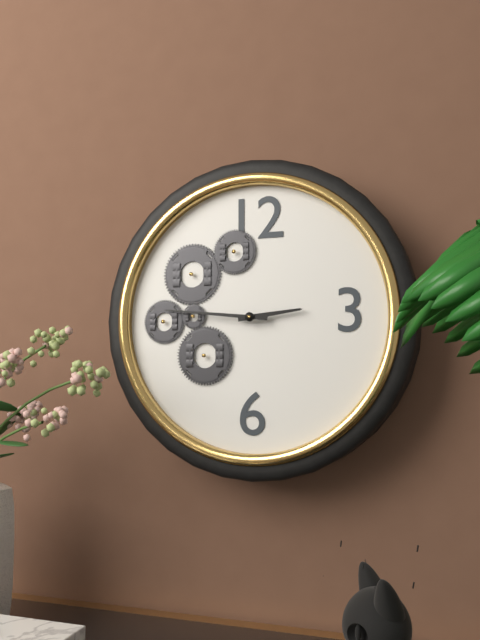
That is h=2 m=46
